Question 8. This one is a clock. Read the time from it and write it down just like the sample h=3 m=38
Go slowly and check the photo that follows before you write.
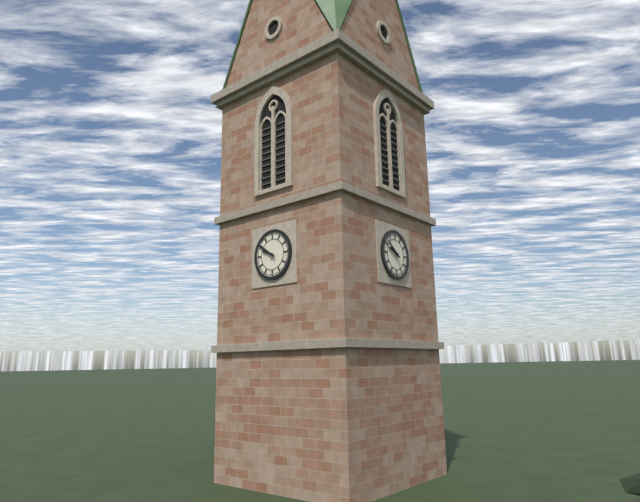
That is h=9 m=51
